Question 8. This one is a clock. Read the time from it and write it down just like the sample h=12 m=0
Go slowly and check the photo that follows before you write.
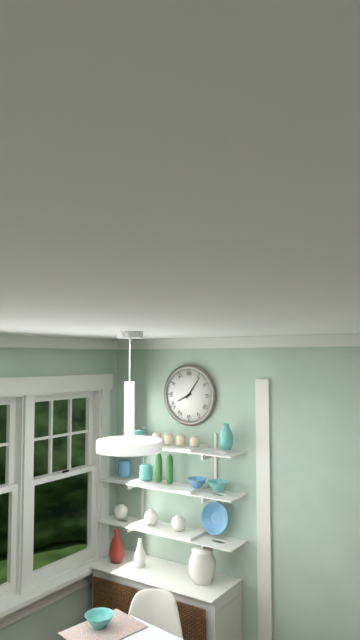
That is h=8 m=6
